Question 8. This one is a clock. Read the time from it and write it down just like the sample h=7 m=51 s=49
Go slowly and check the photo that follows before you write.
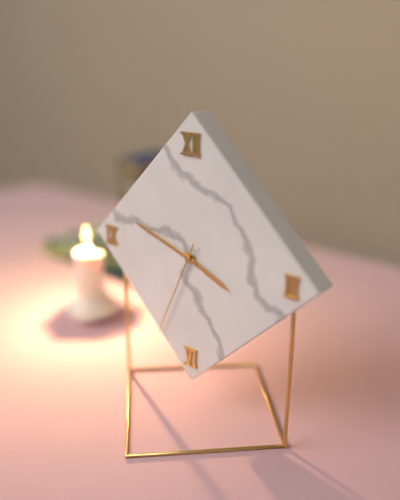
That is h=3 m=48 s=34
